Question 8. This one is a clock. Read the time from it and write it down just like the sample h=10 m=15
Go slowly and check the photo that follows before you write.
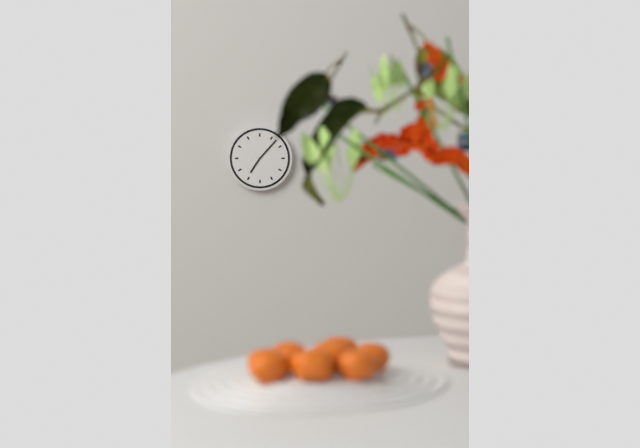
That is h=7 m=7
